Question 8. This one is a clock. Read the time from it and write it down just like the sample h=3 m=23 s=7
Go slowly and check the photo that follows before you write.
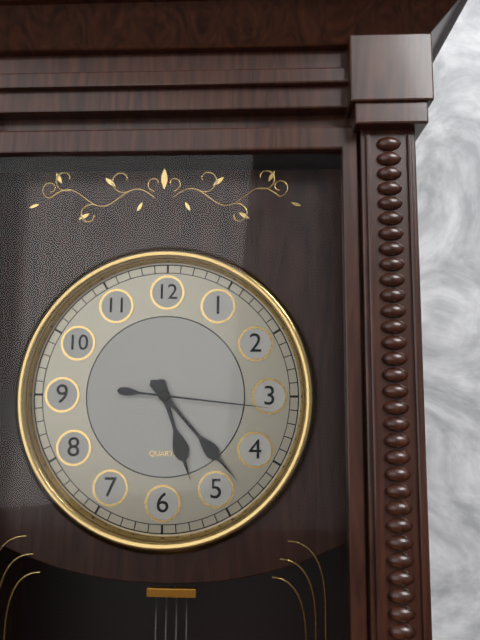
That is h=5 m=23 s=16
